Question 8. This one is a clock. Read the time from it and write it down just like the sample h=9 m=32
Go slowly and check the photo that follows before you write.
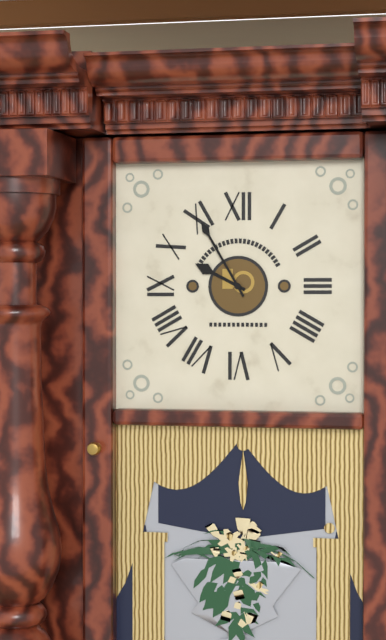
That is h=9 m=55
